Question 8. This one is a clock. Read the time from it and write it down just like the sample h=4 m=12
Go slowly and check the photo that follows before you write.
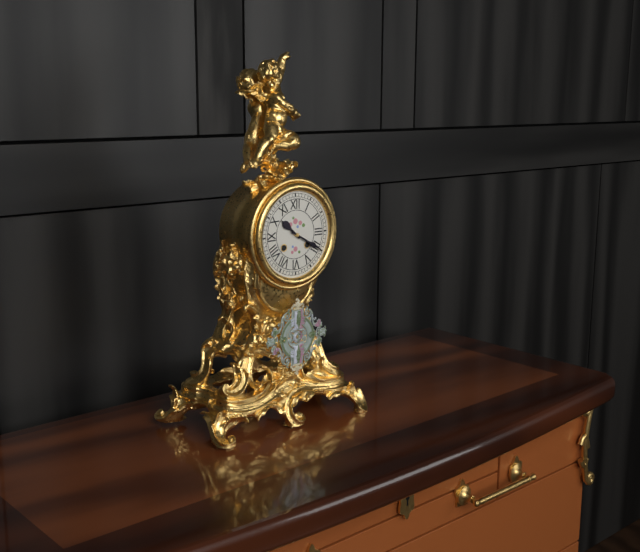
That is h=10 m=20
